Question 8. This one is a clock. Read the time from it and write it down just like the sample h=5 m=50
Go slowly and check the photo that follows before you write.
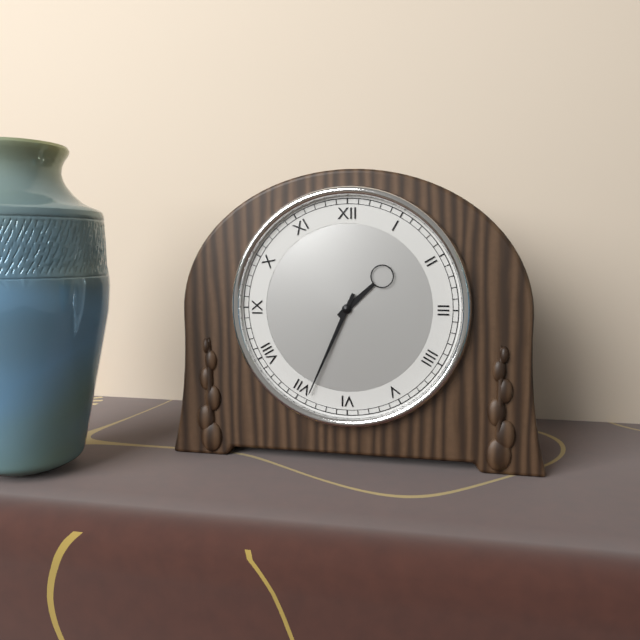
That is h=1 m=34
